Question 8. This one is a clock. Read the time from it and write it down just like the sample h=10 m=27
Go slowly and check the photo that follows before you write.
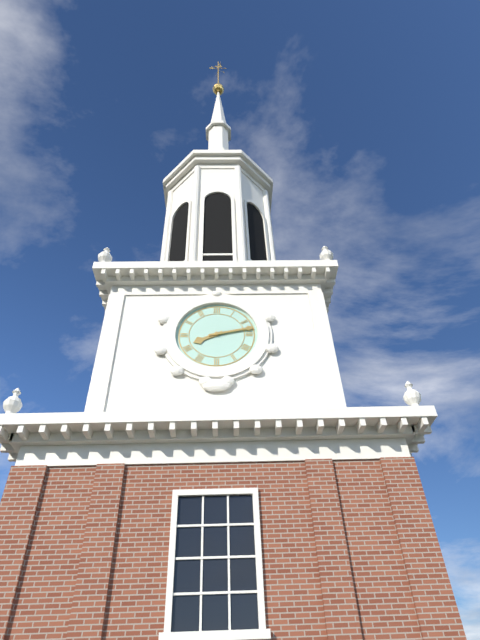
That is h=8 m=13
